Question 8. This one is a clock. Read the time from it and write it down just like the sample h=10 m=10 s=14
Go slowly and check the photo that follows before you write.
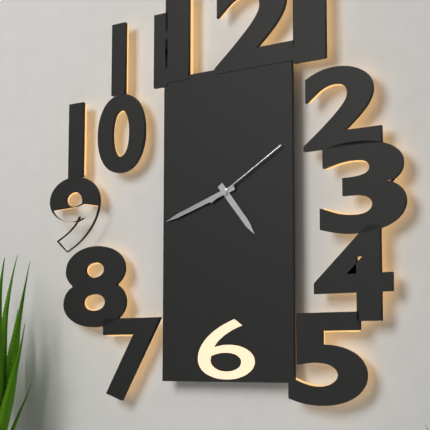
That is h=4 m=42 s=10
